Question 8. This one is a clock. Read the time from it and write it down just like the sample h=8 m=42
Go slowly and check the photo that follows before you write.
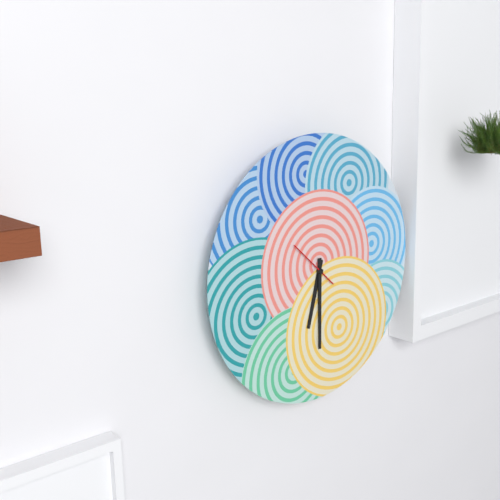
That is h=6 m=30
